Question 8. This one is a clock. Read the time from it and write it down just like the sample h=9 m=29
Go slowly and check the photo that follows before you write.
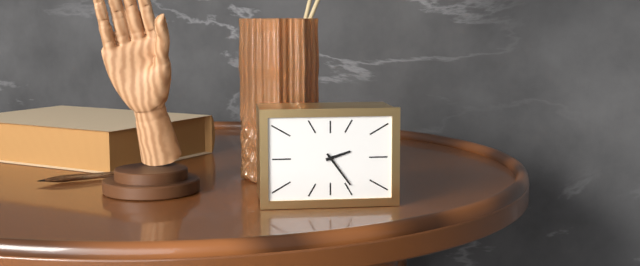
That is h=2 m=24
